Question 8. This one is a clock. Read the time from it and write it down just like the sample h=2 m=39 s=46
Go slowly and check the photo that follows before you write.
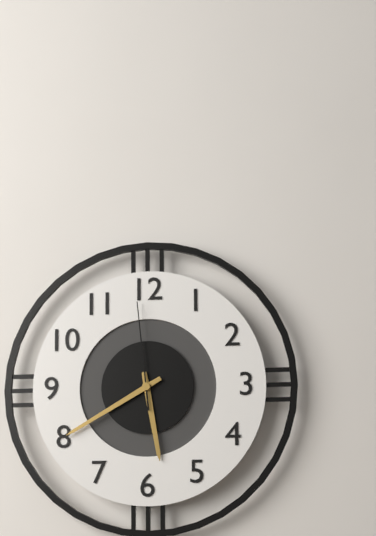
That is h=5 m=40 s=59
